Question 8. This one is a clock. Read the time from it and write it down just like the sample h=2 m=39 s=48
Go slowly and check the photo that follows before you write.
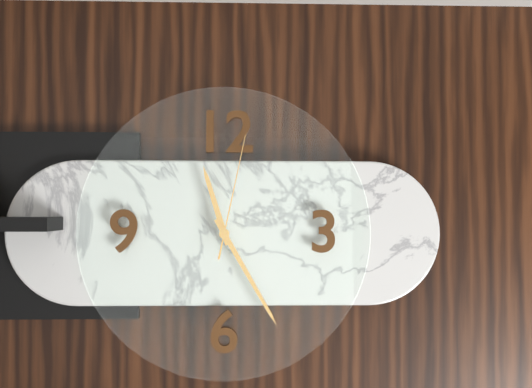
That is h=11 m=25 s=2
